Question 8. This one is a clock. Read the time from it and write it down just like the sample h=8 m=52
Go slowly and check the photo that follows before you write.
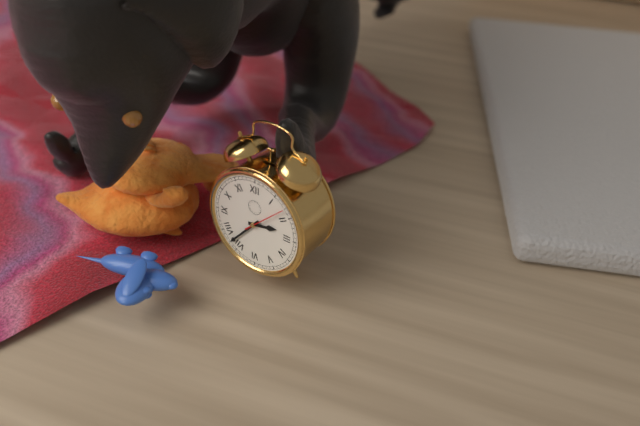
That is h=2 m=37
